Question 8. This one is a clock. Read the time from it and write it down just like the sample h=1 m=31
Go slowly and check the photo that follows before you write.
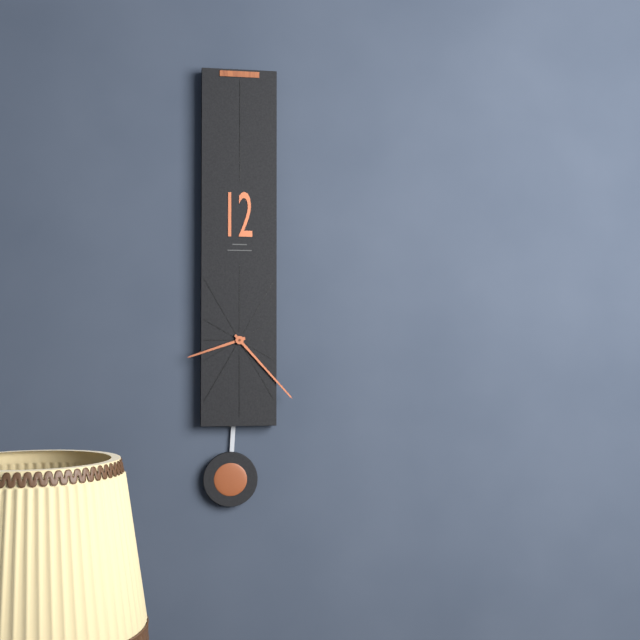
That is h=8 m=23
